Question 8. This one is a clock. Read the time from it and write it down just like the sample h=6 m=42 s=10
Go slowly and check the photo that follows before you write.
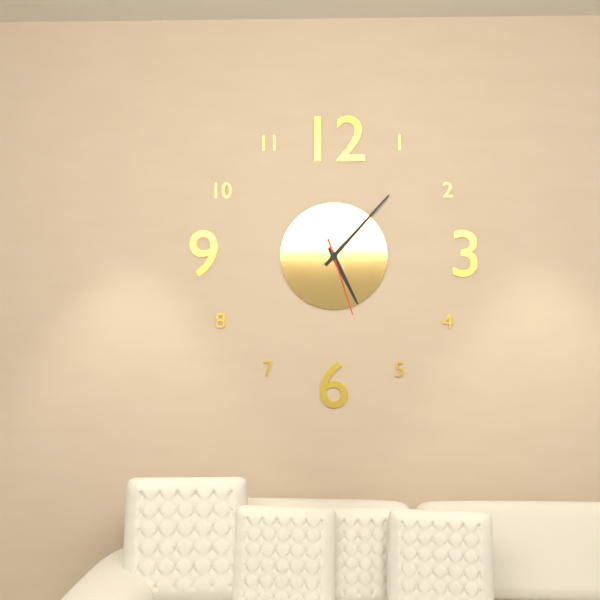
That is h=5 m=7 s=27
